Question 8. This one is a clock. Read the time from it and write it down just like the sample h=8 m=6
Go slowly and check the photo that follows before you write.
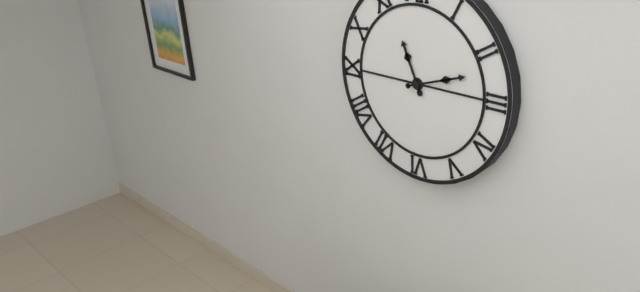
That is h=11 m=12
